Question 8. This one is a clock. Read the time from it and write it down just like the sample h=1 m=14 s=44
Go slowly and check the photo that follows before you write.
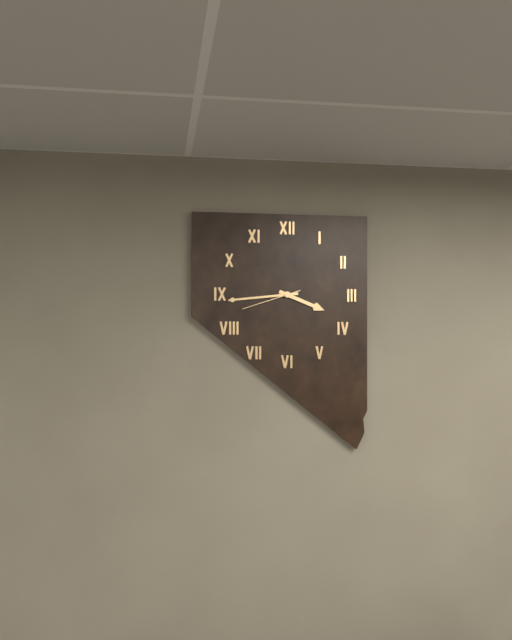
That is h=3 m=44 s=42
